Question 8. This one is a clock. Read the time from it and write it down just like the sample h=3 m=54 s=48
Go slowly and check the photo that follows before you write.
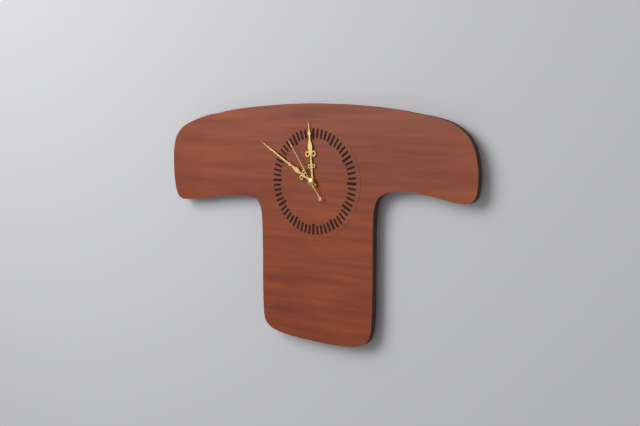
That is h=11 m=50 s=54
